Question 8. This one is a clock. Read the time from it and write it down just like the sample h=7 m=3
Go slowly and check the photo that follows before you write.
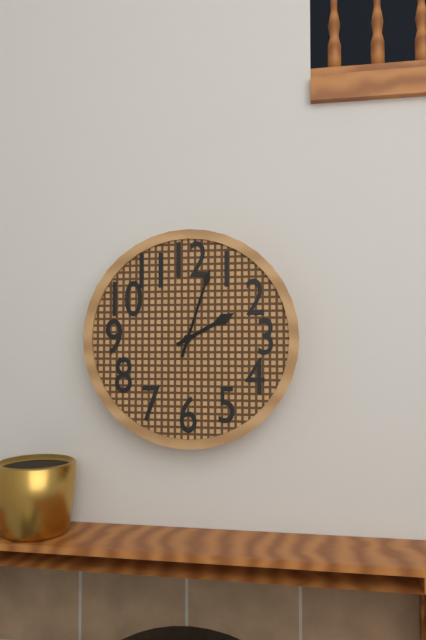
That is h=2 m=3
